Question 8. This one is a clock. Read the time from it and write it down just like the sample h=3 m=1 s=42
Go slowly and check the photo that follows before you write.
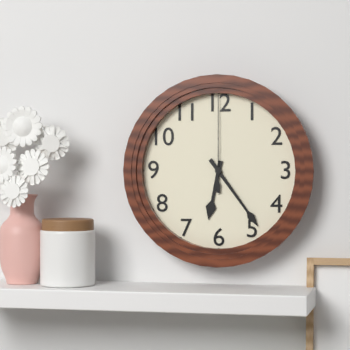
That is h=6 m=24 s=0
